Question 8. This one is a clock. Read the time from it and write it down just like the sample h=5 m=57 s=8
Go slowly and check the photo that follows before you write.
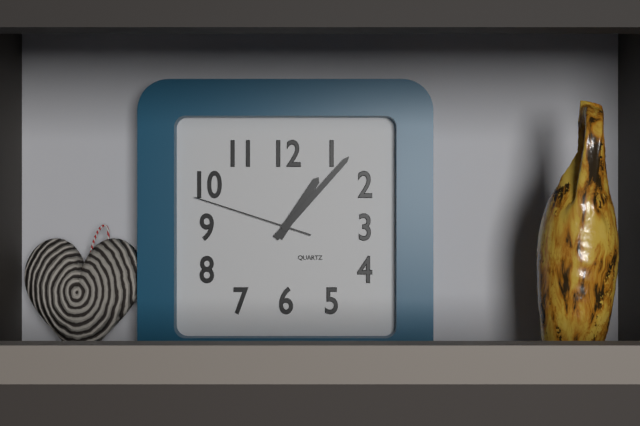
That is h=1 m=7 s=48
